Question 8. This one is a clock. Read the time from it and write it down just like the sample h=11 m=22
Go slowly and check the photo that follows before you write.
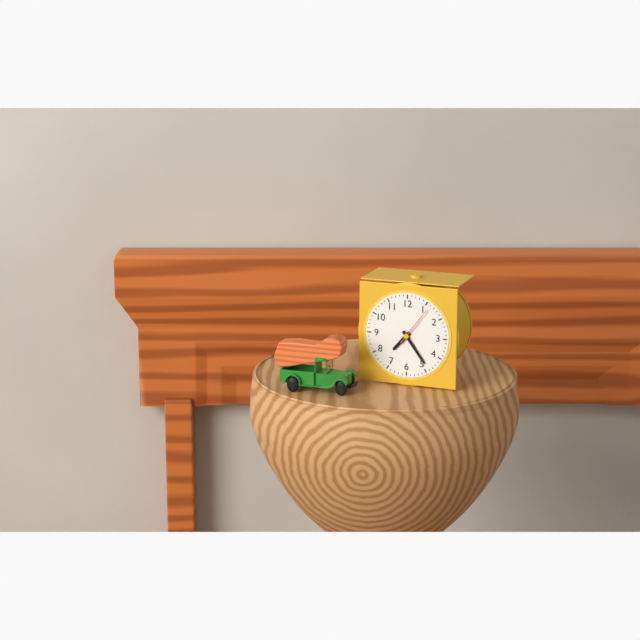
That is h=7 m=24
